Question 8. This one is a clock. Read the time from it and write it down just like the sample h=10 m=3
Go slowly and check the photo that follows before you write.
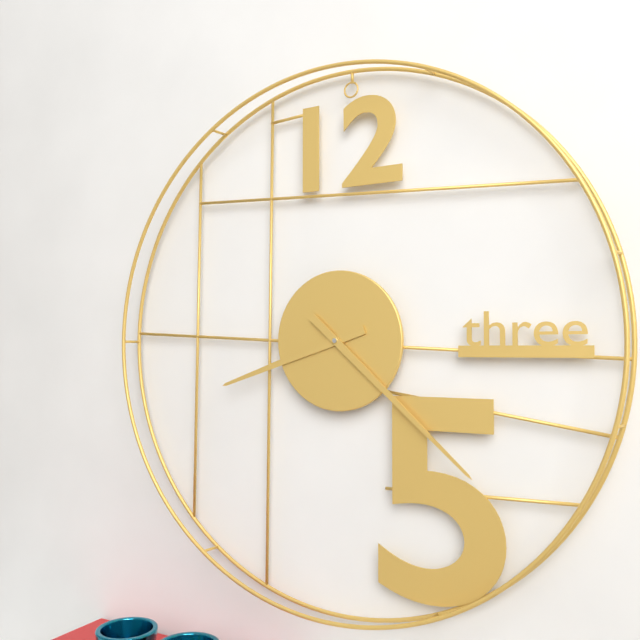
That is h=8 m=22
